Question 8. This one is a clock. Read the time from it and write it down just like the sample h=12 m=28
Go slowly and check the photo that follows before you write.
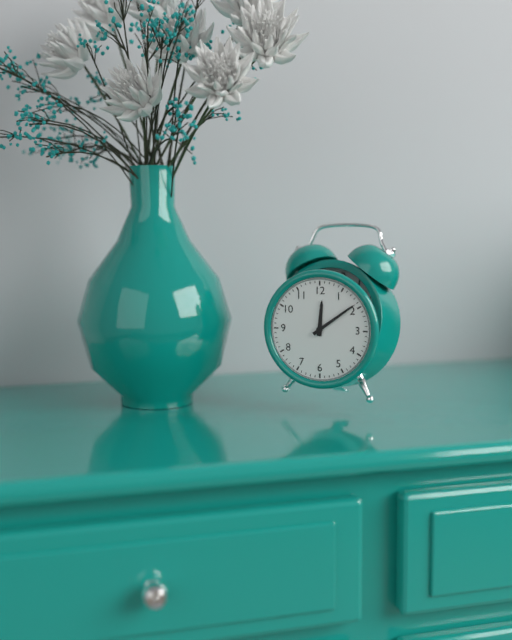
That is h=12 m=9
